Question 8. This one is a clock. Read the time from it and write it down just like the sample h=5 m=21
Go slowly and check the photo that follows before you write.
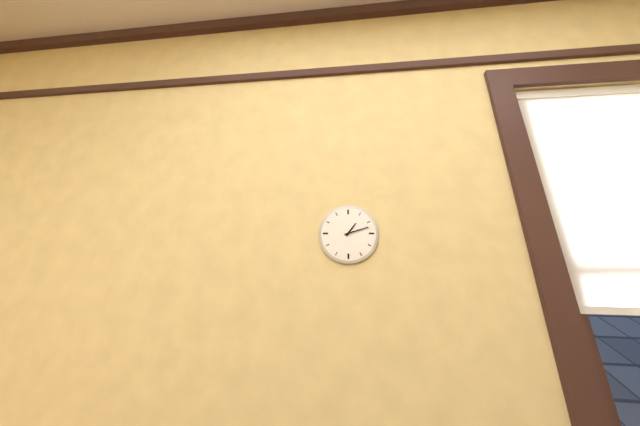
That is h=1 m=12
